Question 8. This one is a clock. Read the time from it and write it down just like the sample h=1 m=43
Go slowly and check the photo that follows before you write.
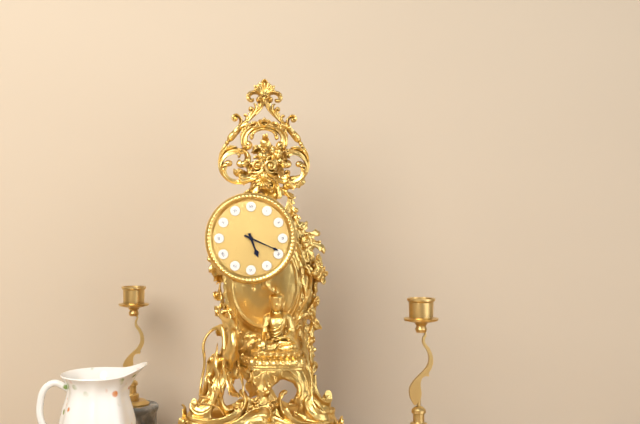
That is h=5 m=19
